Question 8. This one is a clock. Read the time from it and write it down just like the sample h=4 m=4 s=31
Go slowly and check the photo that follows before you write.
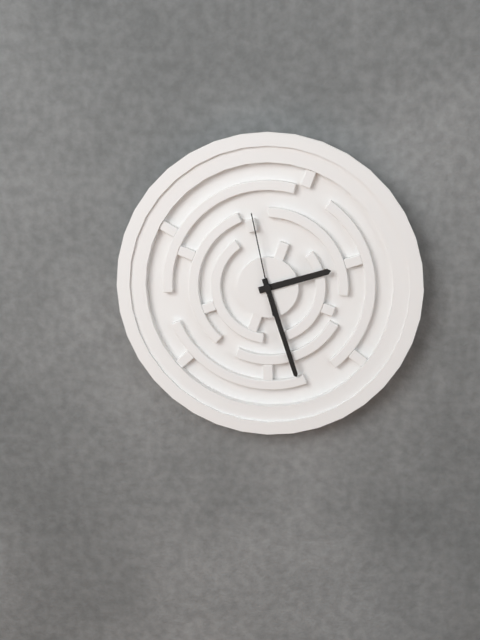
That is h=2 m=27 s=58
